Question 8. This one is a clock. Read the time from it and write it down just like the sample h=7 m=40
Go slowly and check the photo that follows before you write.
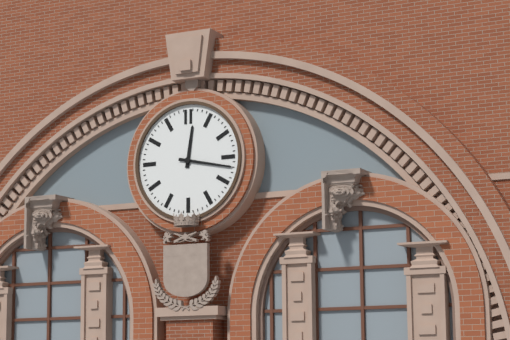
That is h=12 m=17
